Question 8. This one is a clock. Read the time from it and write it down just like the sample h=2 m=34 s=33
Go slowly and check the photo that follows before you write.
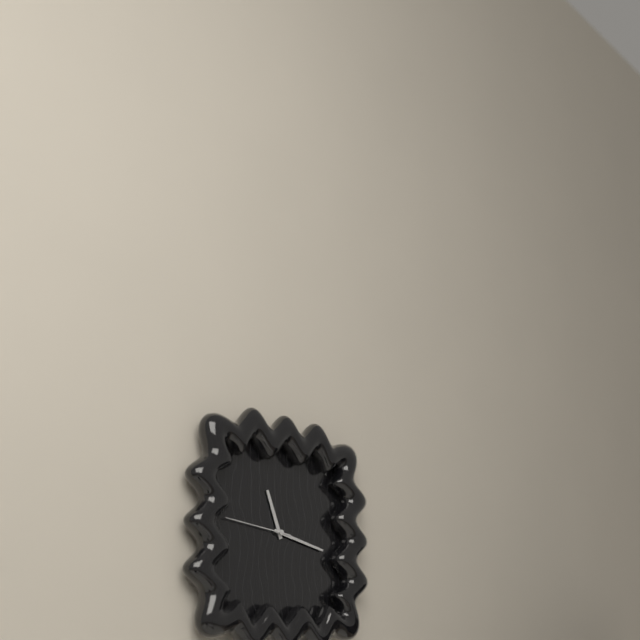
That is h=11 m=17 s=46
